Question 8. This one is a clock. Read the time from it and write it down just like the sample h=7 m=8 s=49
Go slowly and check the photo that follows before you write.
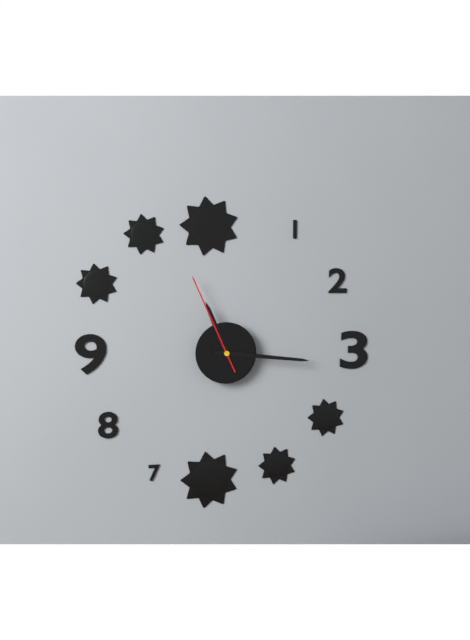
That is h=11 m=16 s=56
